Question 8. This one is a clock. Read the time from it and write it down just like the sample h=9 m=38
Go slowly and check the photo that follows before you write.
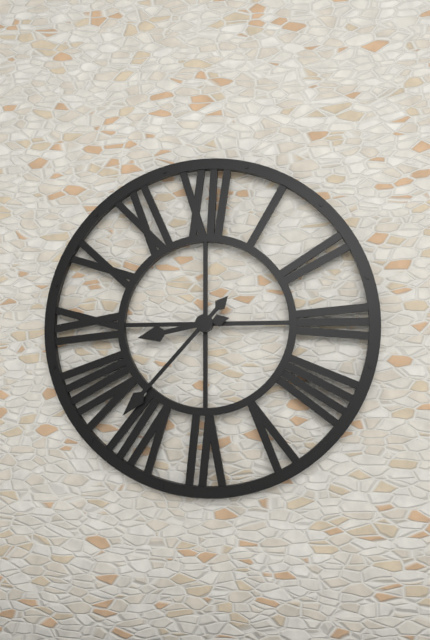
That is h=8 m=37
